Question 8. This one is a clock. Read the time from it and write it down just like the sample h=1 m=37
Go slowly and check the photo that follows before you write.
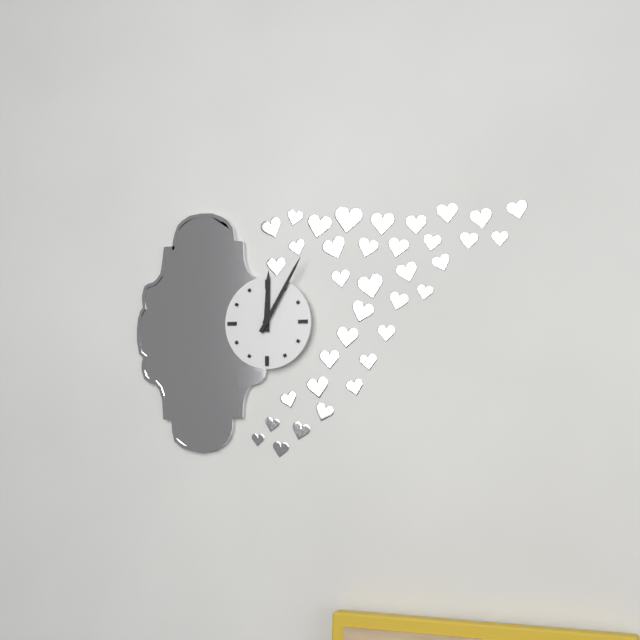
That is h=12 m=5
